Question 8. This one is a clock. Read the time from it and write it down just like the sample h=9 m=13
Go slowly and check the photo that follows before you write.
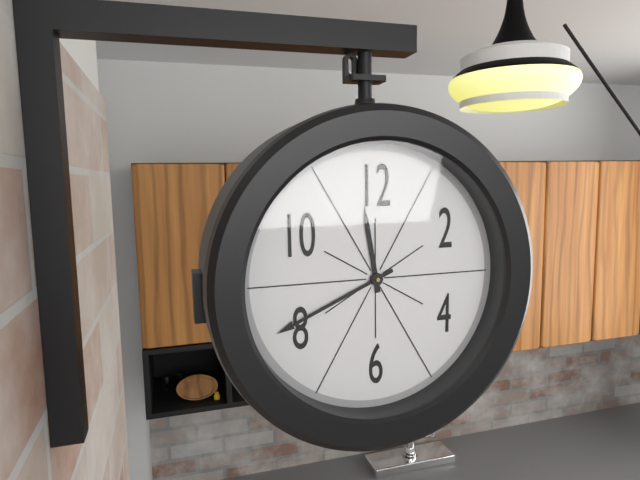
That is h=11 m=41
